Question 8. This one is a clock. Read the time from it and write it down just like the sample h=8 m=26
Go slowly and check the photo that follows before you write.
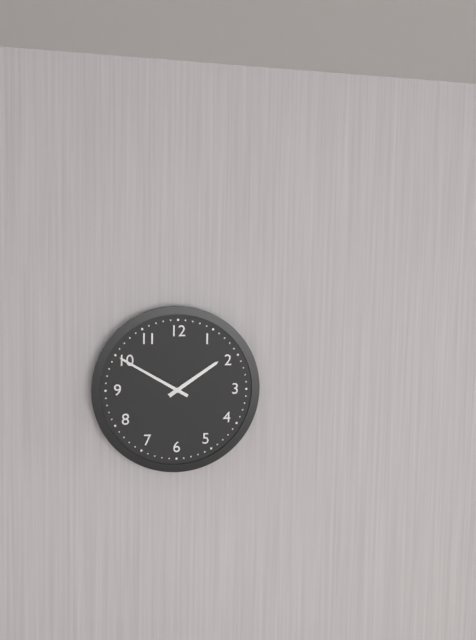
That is h=1 m=50
